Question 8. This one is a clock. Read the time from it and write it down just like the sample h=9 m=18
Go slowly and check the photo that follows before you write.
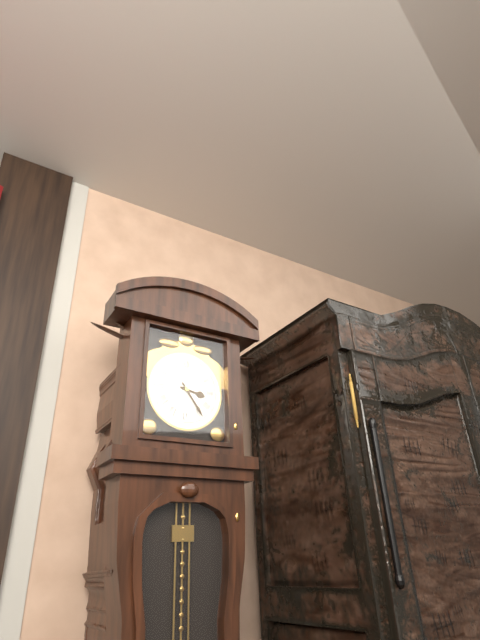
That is h=3 m=24
